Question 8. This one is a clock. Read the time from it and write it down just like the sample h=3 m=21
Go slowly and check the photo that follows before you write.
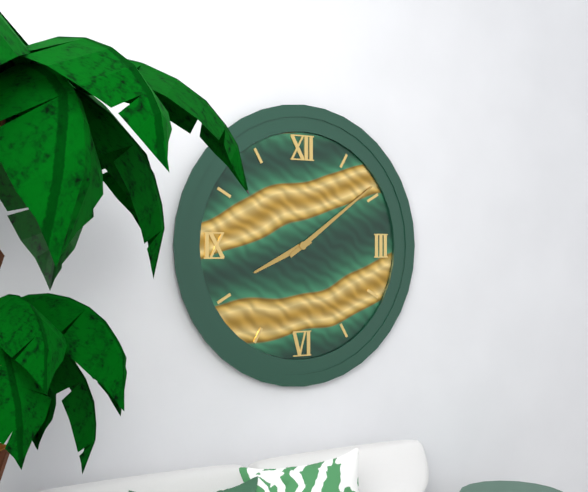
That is h=8 m=9
